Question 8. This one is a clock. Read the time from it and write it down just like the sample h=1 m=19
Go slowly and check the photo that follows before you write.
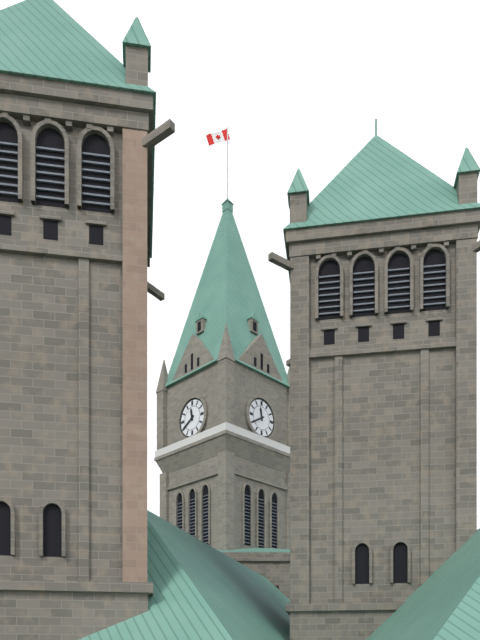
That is h=11 m=40
